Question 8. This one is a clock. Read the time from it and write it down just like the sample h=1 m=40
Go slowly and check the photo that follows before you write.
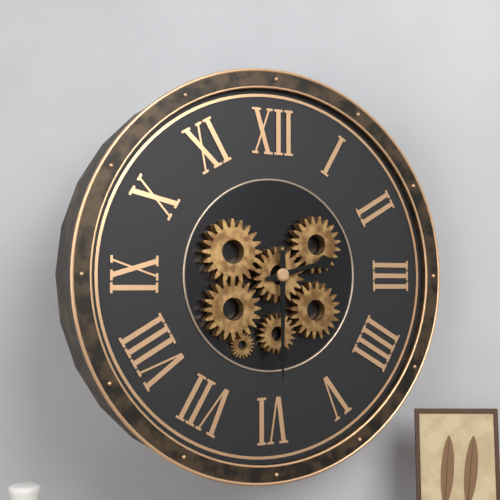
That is h=2 m=30
